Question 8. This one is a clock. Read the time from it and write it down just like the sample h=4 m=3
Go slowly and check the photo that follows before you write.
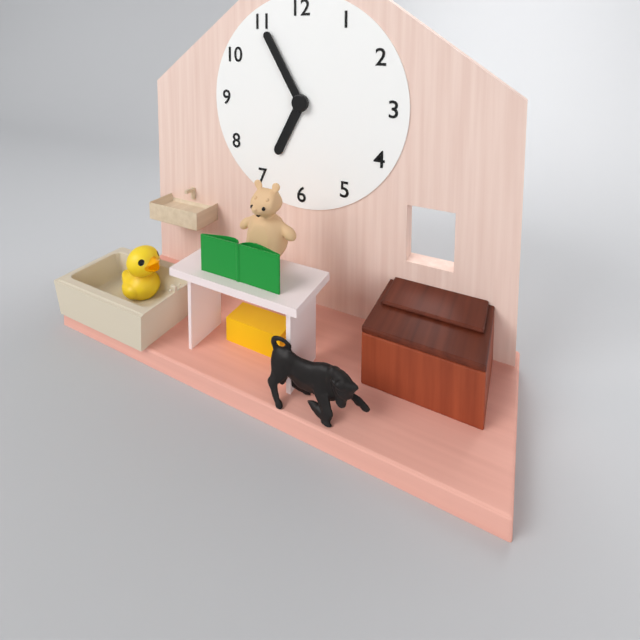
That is h=6 m=55
